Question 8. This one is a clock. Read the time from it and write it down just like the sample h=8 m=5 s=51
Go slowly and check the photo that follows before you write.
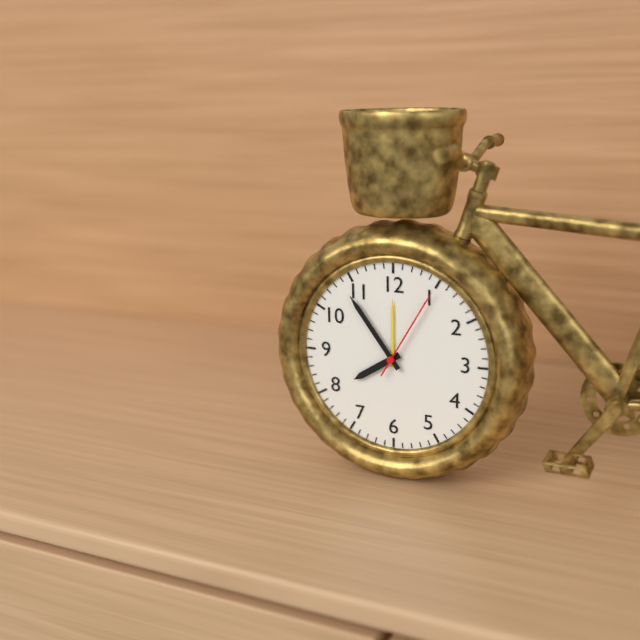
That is h=7 m=54 s=5
